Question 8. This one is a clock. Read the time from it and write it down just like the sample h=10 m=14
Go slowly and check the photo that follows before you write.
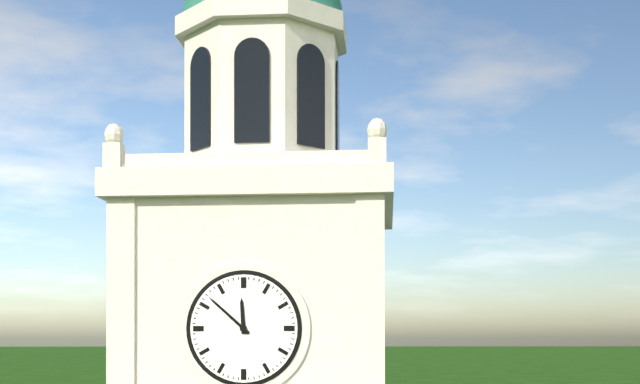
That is h=11 m=52
